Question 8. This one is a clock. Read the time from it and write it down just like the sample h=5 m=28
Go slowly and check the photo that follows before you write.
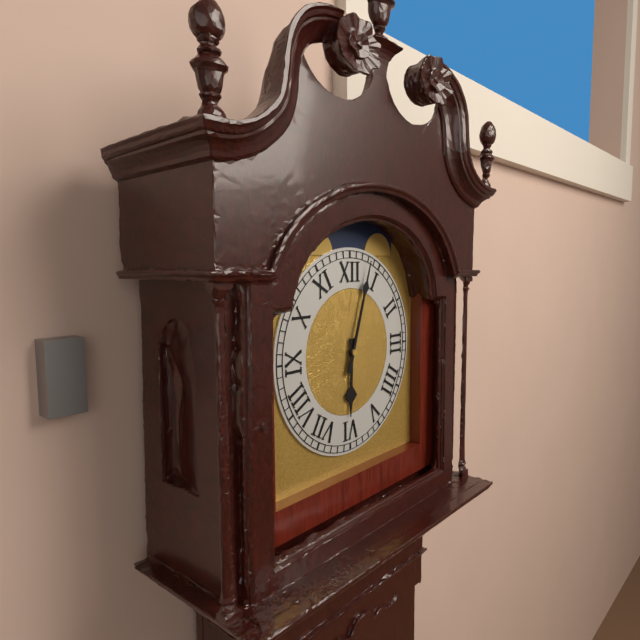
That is h=6 m=3
